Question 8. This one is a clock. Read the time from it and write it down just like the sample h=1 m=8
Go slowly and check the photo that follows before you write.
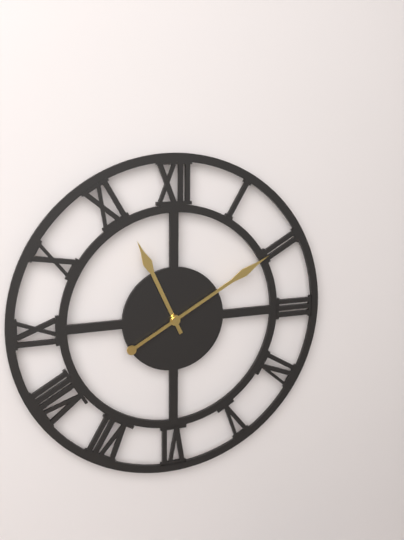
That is h=11 m=10
